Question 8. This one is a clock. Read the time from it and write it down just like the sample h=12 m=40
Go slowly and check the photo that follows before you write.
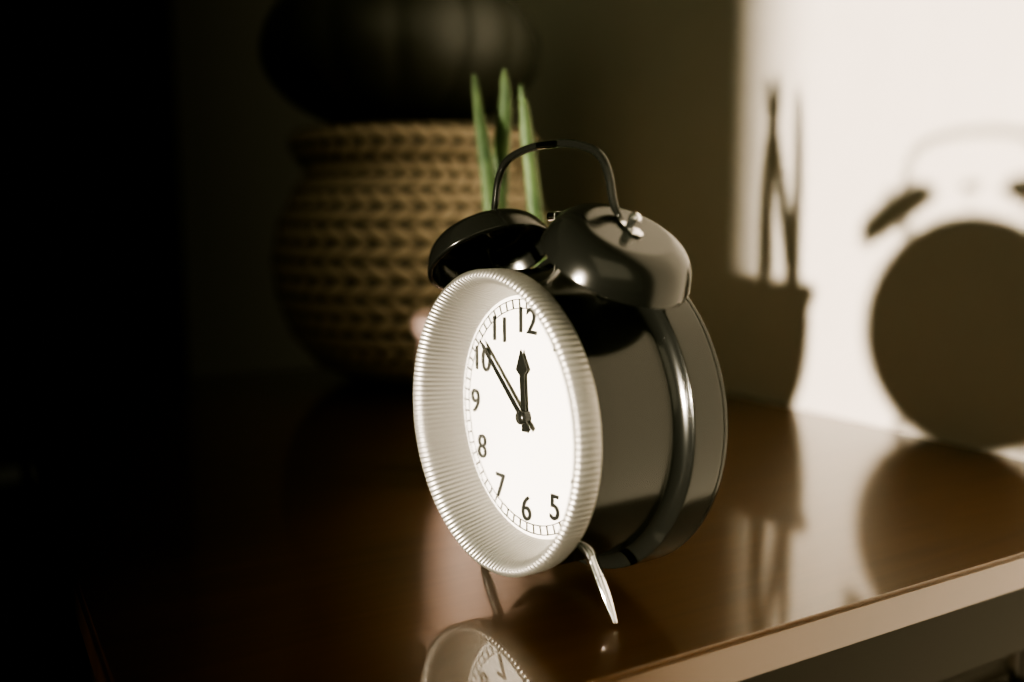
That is h=11 m=52
